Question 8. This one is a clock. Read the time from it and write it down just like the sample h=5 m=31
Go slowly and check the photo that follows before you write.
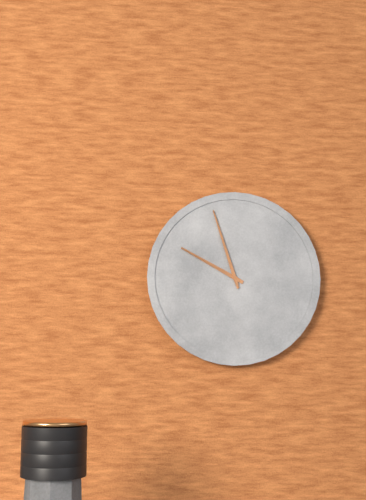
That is h=9 m=57
